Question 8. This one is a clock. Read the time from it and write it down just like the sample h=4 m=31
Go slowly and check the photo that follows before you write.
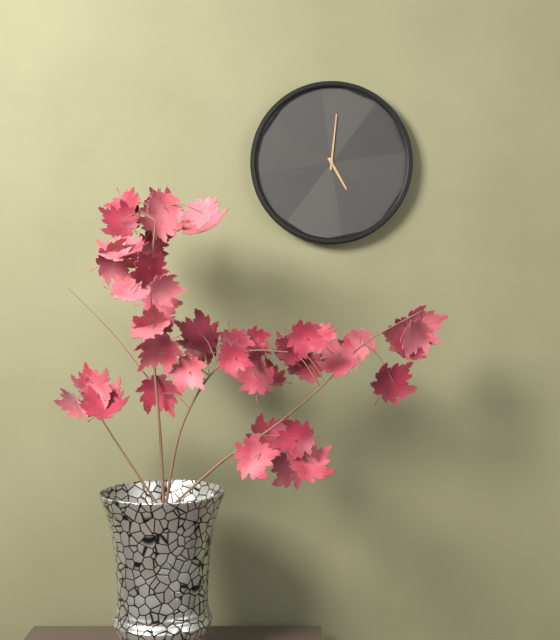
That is h=5 m=1
